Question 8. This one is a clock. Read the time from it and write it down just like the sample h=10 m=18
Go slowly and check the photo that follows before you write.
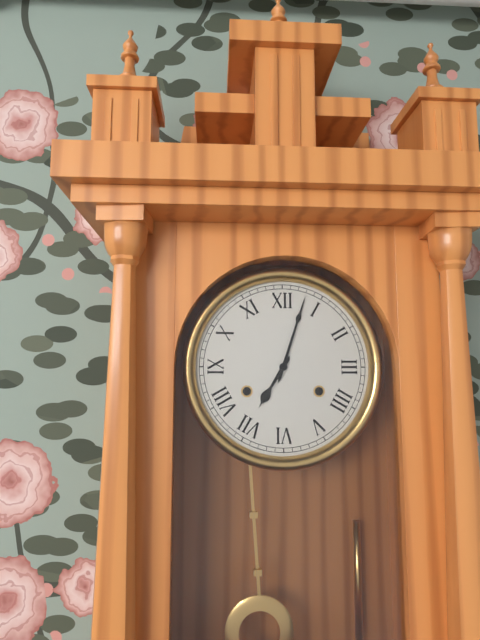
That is h=7 m=3
